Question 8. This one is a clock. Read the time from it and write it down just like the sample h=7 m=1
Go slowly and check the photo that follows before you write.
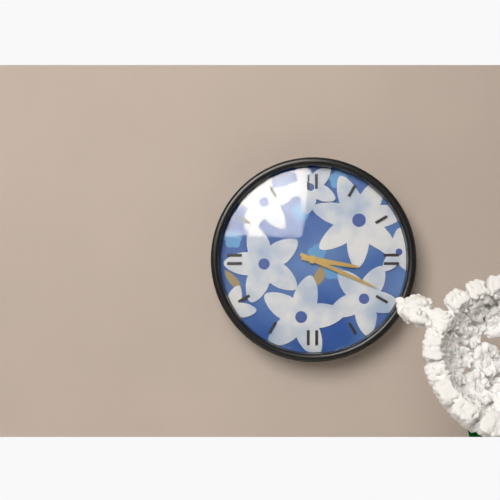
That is h=3 m=19
